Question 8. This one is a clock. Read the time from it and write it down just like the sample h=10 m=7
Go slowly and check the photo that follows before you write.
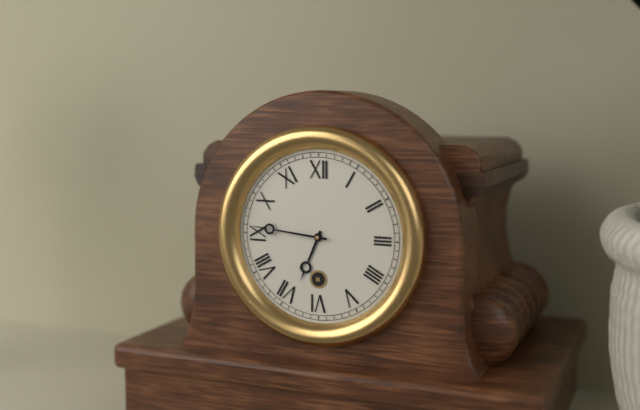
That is h=6 m=46
